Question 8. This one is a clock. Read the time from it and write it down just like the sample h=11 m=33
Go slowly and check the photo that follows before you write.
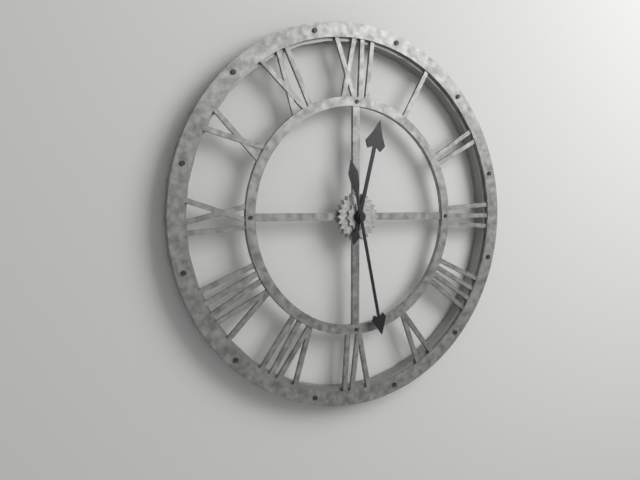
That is h=12 m=28
